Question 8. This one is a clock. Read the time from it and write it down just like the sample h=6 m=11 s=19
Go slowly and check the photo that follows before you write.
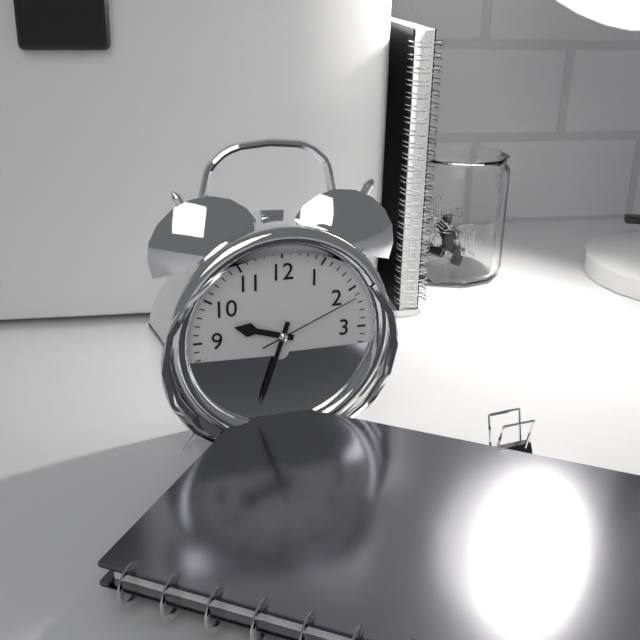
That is h=9 m=33 s=11
